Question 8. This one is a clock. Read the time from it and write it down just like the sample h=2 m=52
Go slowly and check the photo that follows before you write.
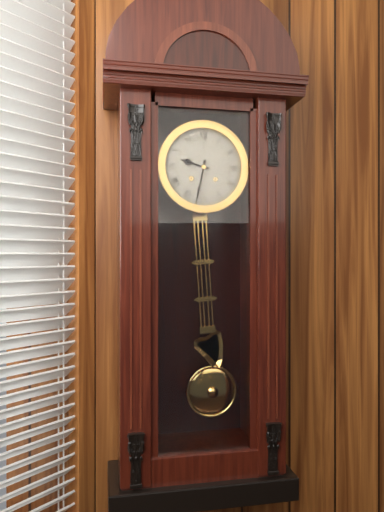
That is h=9 m=32
